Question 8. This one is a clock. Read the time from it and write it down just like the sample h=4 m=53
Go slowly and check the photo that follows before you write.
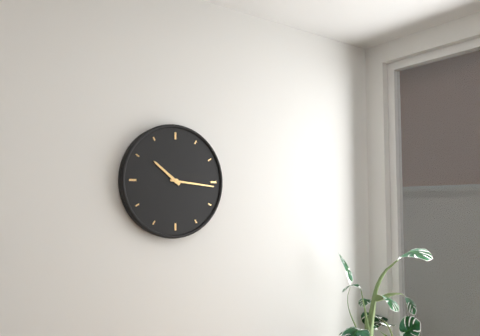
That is h=10 m=16
